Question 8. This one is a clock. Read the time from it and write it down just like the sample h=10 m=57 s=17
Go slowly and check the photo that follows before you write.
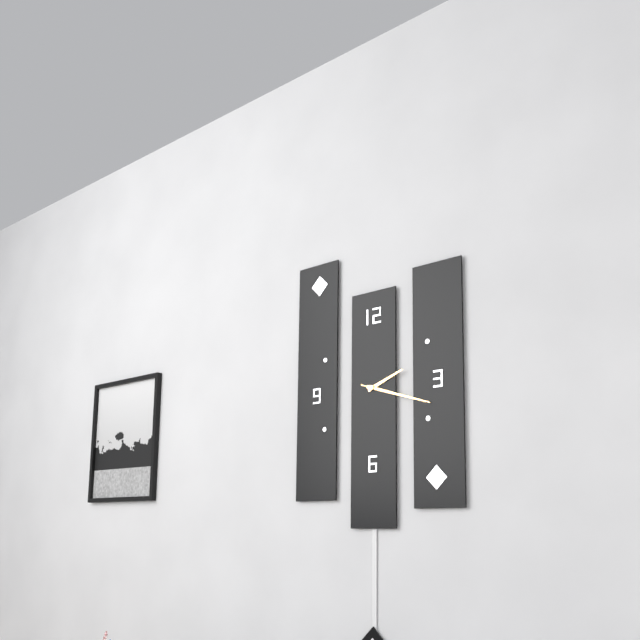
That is h=2 m=18 s=18
